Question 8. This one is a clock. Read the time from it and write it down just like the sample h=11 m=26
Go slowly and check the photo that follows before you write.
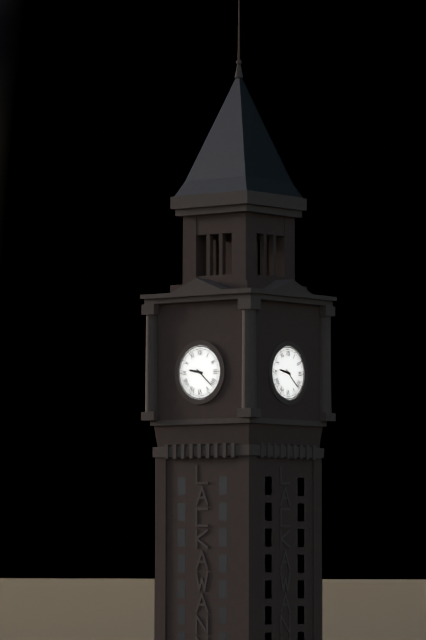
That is h=9 m=22
